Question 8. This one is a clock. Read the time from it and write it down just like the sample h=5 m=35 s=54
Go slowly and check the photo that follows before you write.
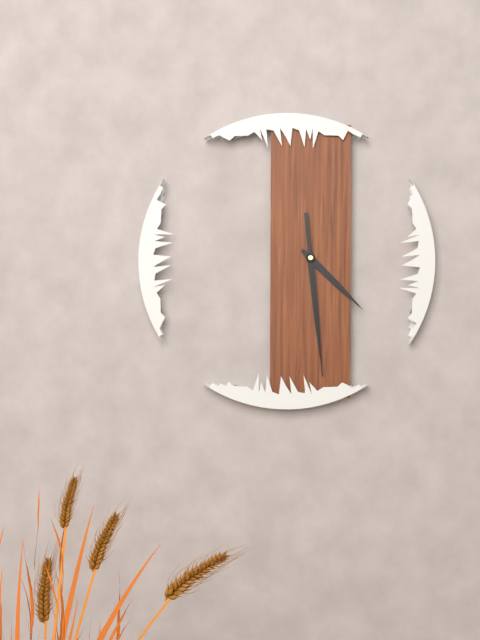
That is h=4 m=29 s=29
